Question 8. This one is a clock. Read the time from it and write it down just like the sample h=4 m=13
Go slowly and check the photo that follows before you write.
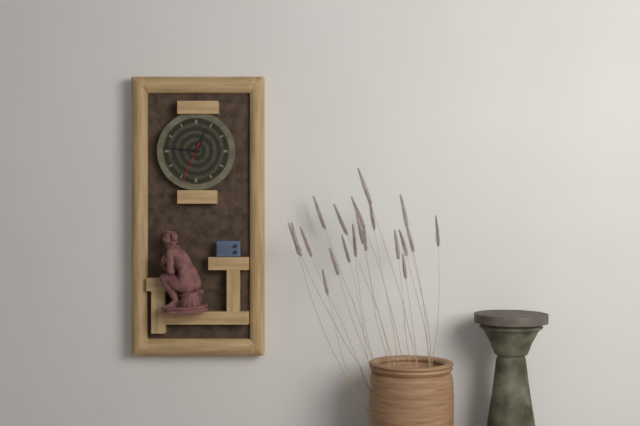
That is h=12 m=46
